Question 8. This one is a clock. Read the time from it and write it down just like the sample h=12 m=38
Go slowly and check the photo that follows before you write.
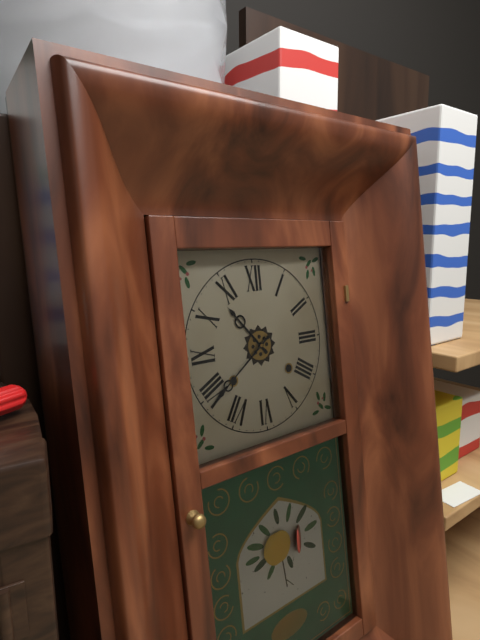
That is h=10 m=39
